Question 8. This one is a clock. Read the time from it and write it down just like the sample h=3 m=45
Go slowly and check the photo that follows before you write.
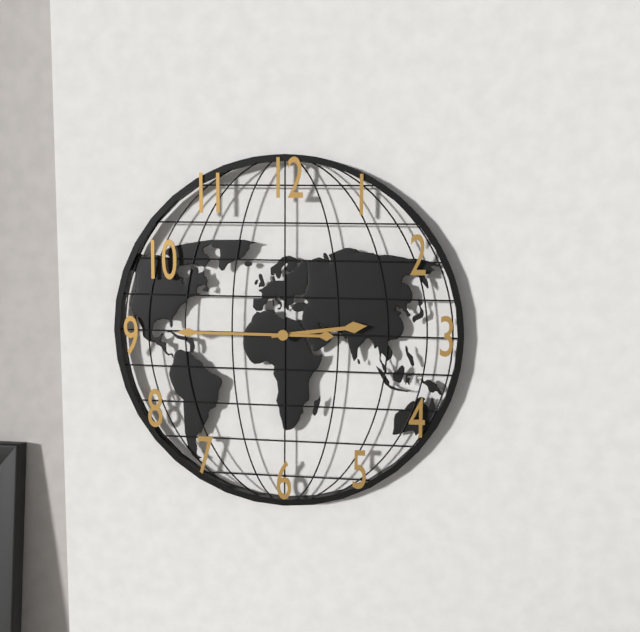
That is h=2 m=45
